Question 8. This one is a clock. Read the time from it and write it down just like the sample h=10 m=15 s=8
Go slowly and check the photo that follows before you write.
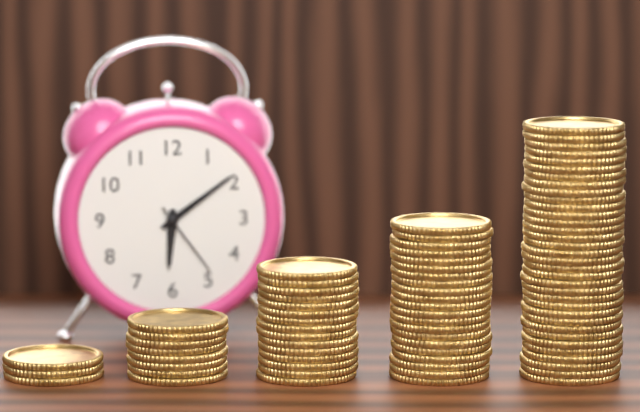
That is h=6 m=9 s=24
